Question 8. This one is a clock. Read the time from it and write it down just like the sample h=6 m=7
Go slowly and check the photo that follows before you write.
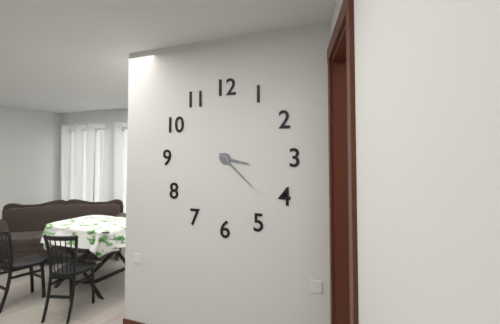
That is h=3 m=22
